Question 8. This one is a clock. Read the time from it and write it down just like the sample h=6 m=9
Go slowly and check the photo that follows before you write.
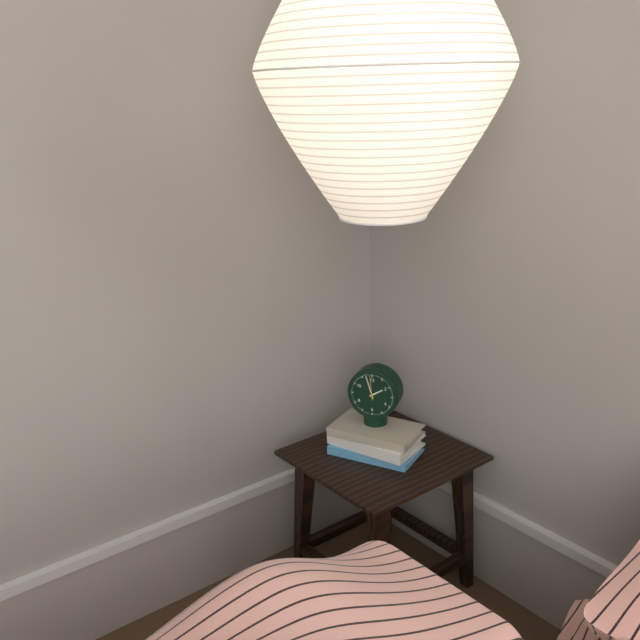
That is h=1 m=57
